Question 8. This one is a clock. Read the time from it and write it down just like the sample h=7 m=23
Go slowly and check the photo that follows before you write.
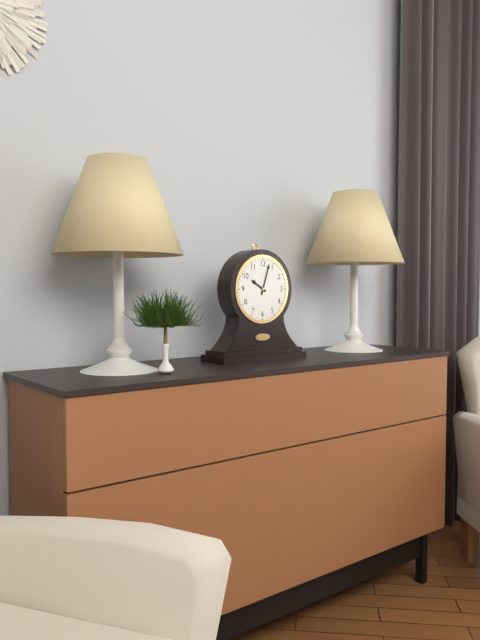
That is h=10 m=3
